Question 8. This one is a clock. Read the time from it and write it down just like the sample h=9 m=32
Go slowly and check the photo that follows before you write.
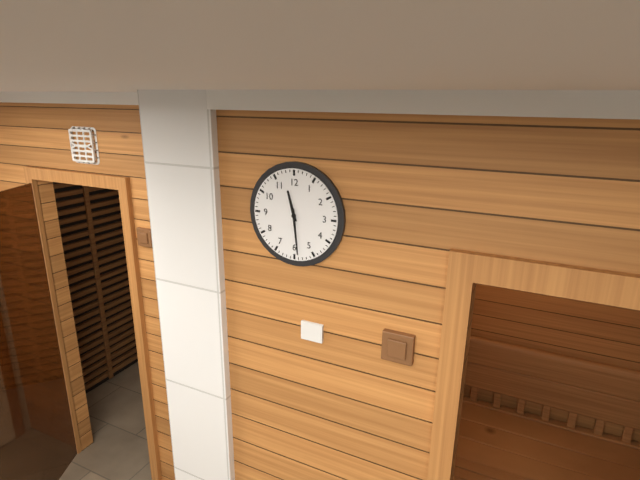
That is h=11 m=29
